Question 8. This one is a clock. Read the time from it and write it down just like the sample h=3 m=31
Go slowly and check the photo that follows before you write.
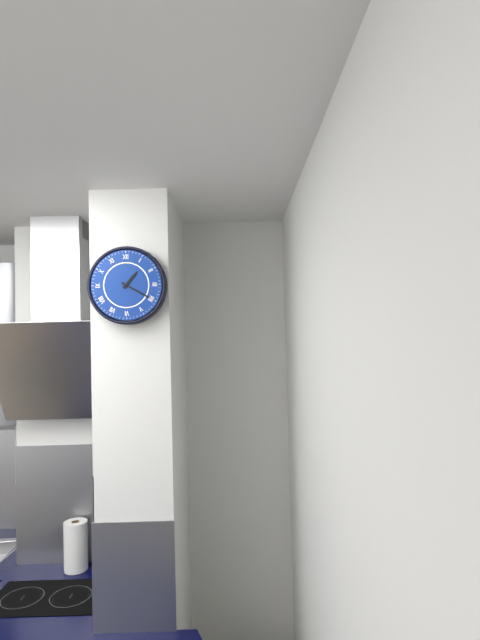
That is h=1 m=20
